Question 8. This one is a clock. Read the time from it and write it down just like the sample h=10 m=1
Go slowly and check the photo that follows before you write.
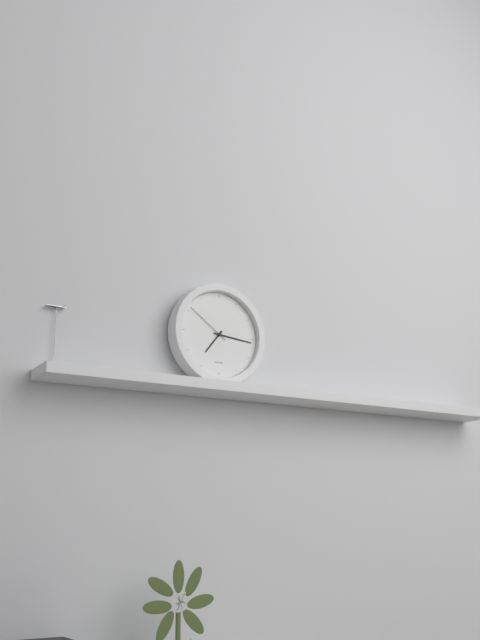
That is h=7 m=16
